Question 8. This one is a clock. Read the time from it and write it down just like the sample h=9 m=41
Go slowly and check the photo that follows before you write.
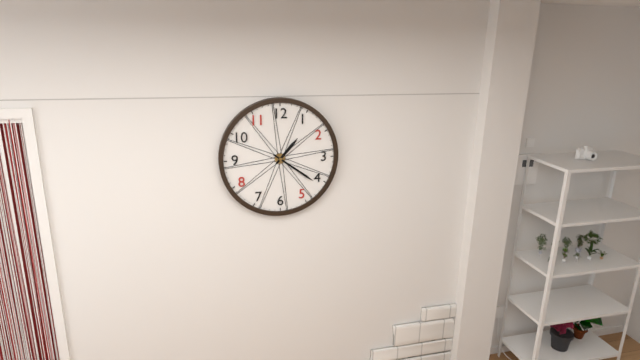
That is h=1 m=21
